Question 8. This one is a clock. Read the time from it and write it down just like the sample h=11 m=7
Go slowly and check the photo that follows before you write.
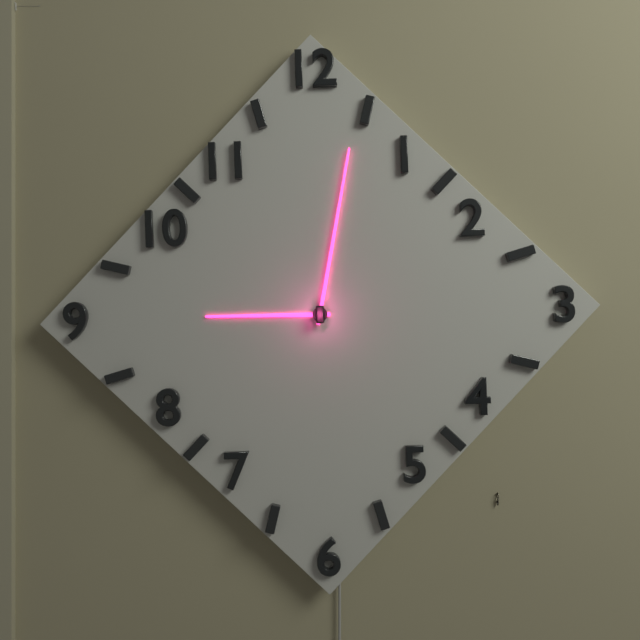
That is h=9 m=2
